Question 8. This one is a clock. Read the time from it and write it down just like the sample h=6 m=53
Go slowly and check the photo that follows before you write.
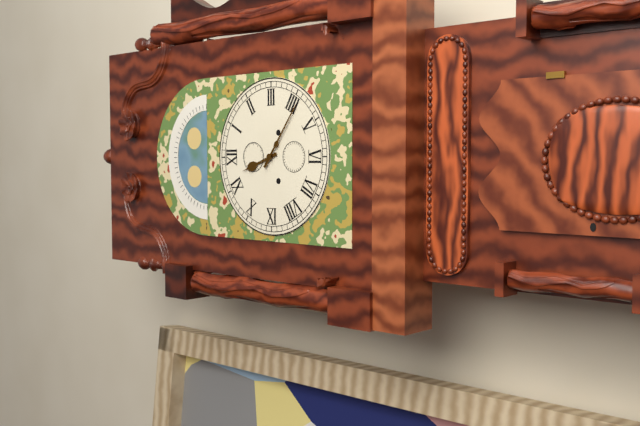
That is h=11 m=21
